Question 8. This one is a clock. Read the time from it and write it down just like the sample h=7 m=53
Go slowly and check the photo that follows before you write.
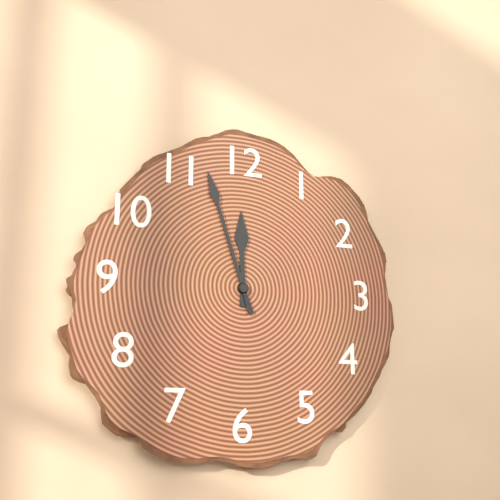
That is h=11 m=57
